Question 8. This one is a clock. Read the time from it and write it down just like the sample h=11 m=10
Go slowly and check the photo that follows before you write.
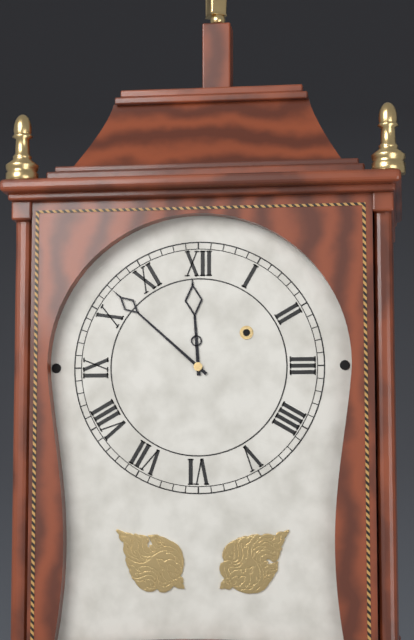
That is h=11 m=52
